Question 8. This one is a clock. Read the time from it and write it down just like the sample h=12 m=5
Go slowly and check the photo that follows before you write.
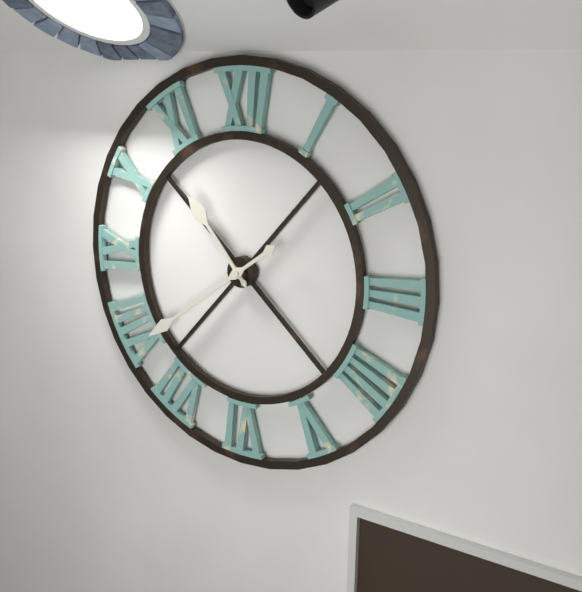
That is h=10 m=39
